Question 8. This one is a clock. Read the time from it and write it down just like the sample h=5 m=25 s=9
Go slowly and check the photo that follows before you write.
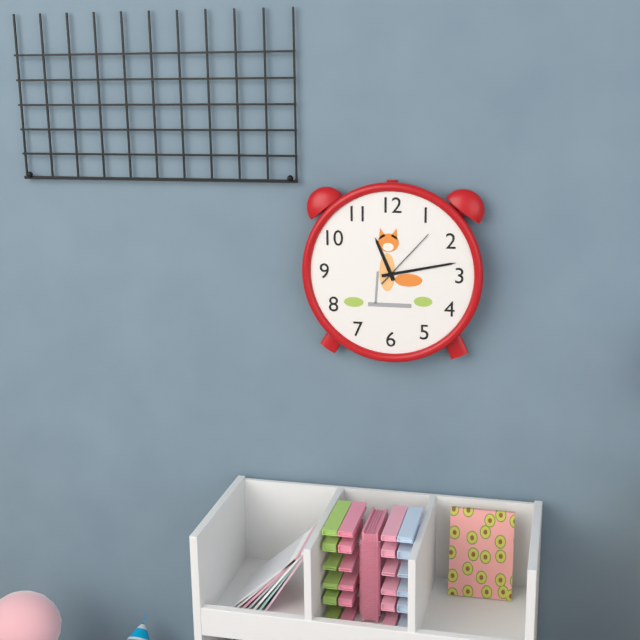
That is h=11 m=13 s=7
